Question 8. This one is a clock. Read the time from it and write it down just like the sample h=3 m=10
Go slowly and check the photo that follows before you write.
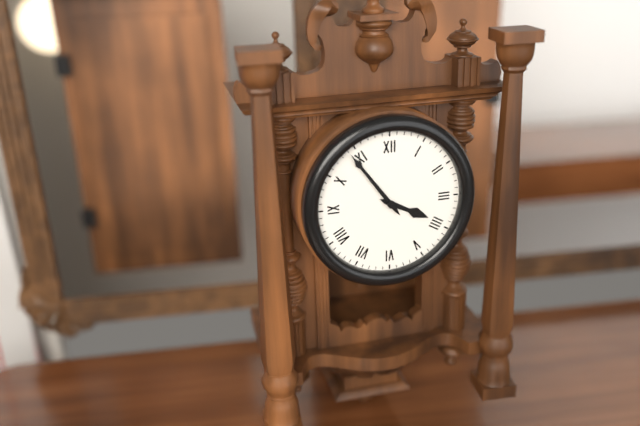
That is h=3 m=54
